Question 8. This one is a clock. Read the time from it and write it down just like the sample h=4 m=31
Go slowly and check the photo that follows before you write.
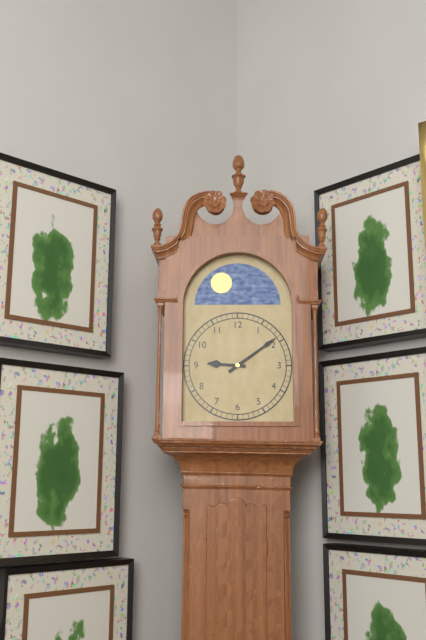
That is h=9 m=9
